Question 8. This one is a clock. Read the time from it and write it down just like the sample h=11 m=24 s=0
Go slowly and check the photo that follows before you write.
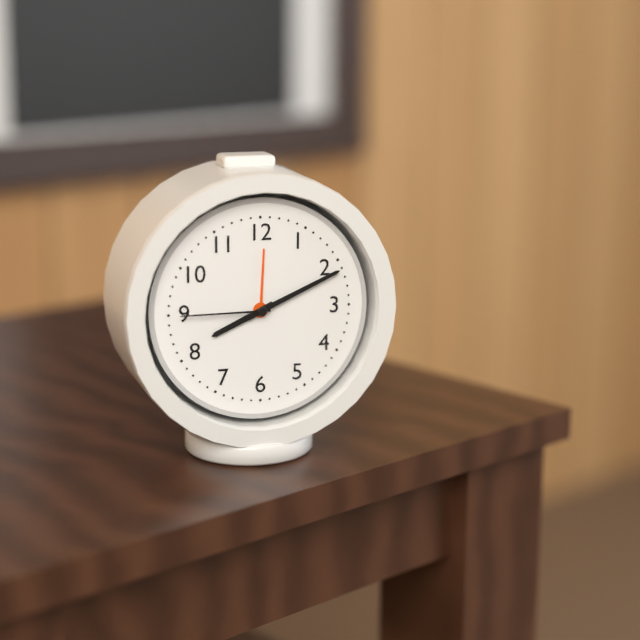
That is h=8 m=11 s=45
